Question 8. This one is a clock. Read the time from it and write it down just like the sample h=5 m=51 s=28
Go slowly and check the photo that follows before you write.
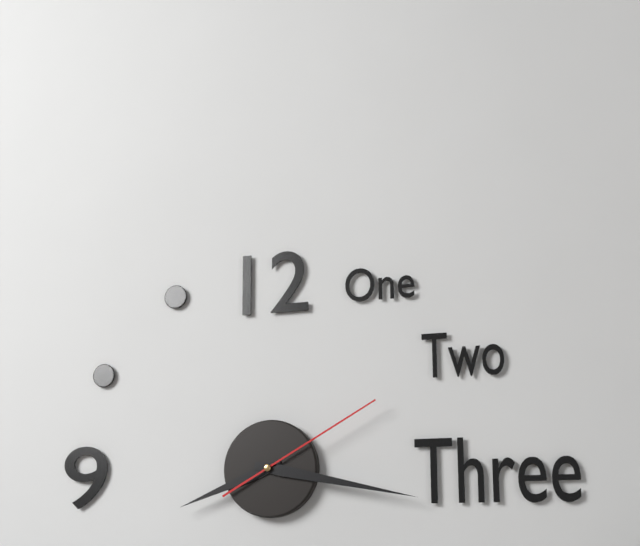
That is h=8 m=17 s=10
